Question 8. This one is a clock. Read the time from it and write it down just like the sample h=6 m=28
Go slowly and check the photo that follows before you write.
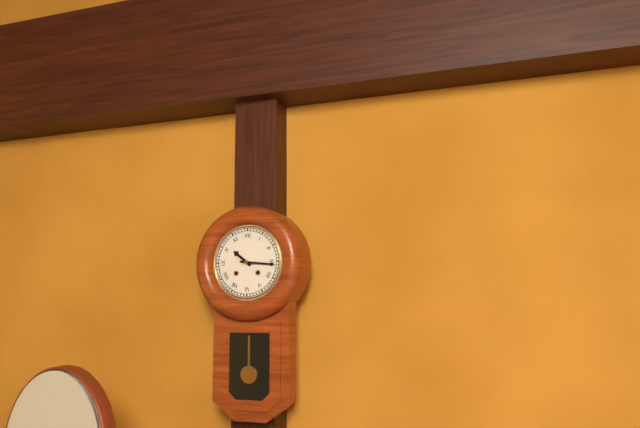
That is h=10 m=16
